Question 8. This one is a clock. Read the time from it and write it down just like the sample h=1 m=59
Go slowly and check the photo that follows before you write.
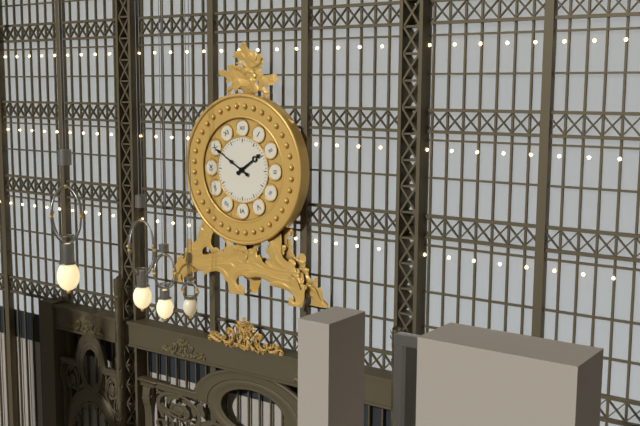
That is h=1 m=50
